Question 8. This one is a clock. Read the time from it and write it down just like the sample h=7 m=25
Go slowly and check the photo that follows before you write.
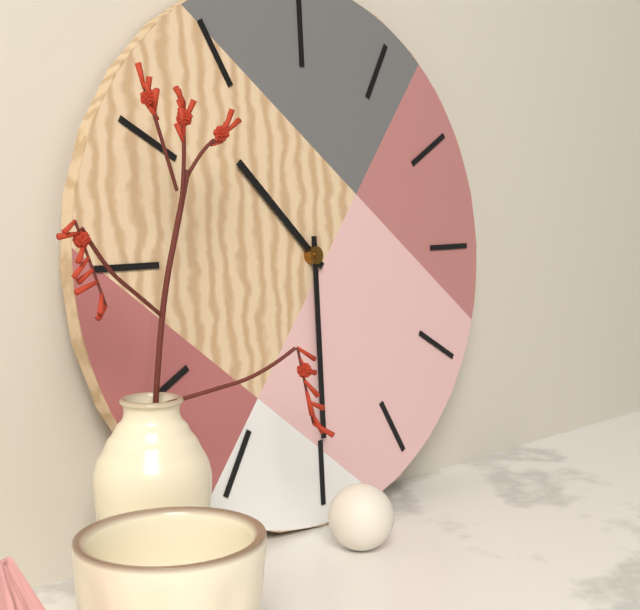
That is h=10 m=30
